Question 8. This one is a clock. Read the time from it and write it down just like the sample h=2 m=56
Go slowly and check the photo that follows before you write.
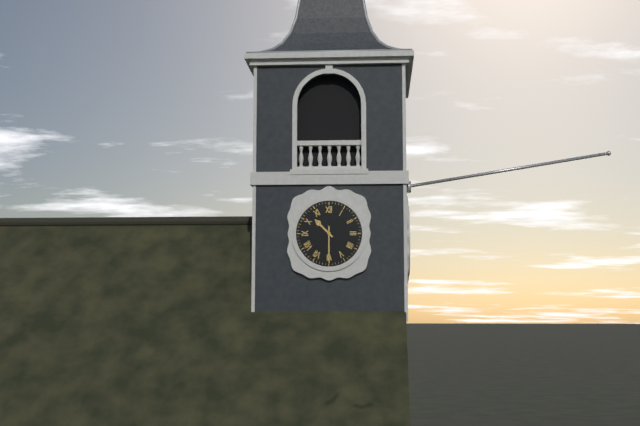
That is h=10 m=30
